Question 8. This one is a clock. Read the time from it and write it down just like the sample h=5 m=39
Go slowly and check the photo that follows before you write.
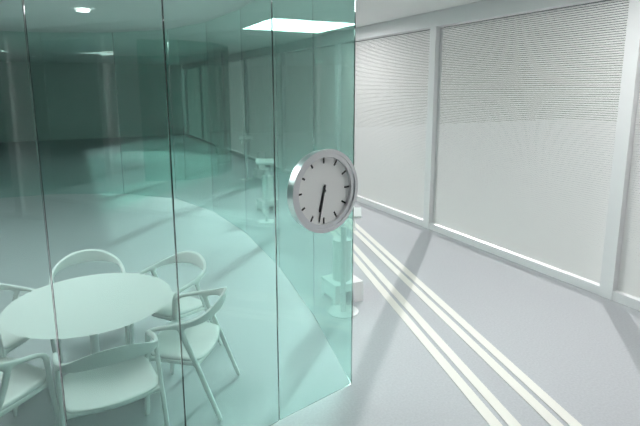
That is h=6 m=32
